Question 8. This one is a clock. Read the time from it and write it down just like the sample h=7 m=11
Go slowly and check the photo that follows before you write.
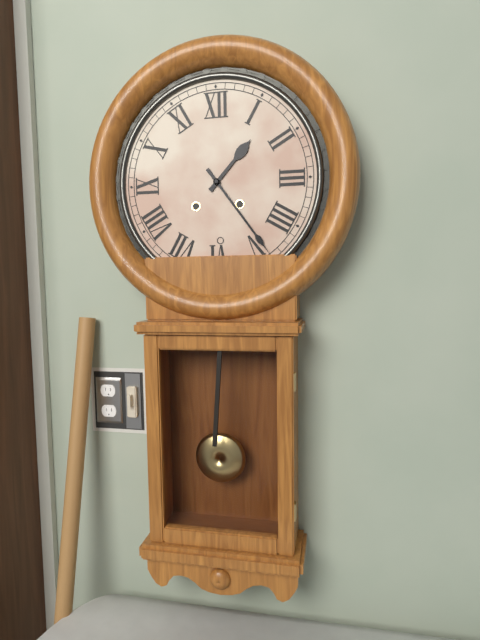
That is h=1 m=24
